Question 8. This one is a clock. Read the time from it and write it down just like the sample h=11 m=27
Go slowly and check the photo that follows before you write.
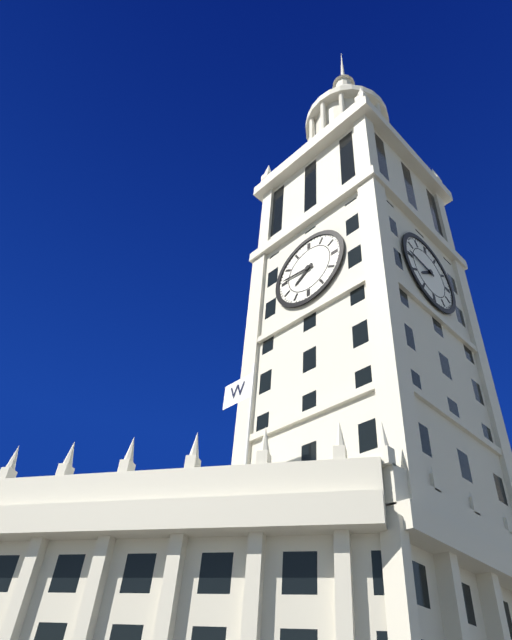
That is h=7 m=46
